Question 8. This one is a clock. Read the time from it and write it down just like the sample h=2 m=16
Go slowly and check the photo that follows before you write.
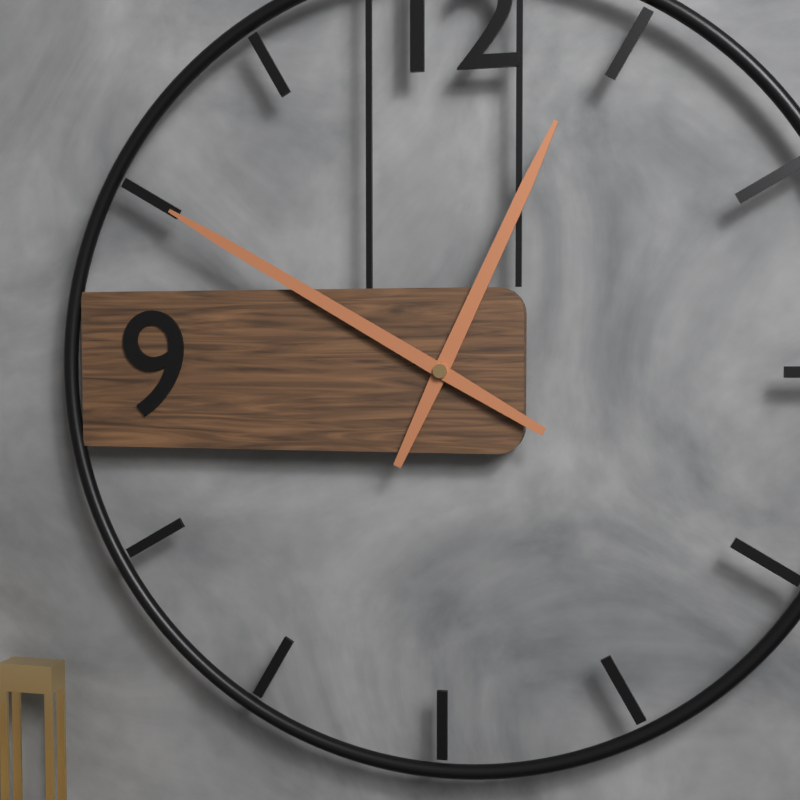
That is h=12 m=50
